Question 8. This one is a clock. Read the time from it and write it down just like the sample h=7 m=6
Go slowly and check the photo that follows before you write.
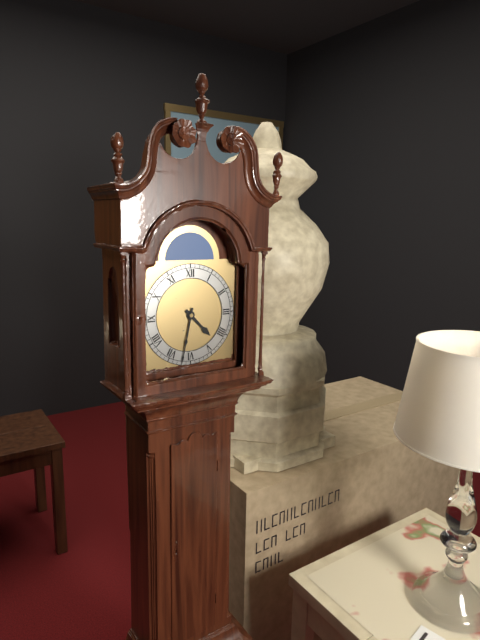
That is h=4 m=32
